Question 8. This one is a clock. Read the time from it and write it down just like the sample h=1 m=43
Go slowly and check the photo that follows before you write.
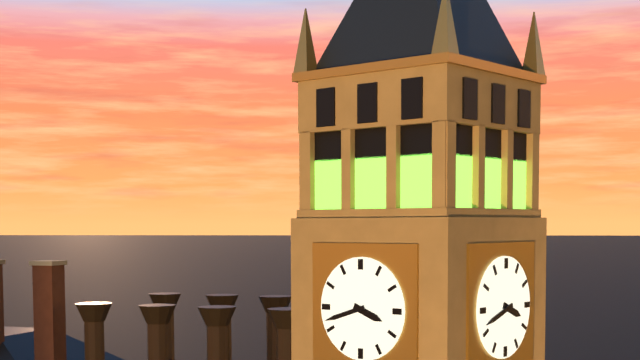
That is h=3 m=42
